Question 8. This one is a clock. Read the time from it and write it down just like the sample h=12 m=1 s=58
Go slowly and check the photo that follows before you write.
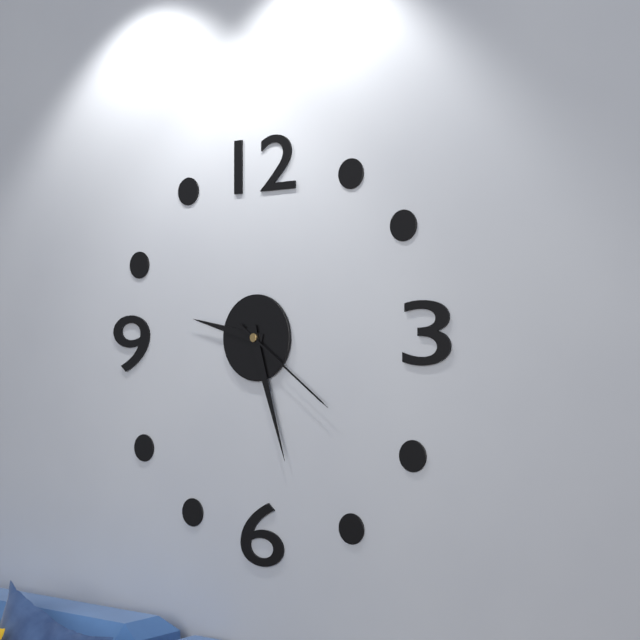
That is h=9 m=27 s=21
